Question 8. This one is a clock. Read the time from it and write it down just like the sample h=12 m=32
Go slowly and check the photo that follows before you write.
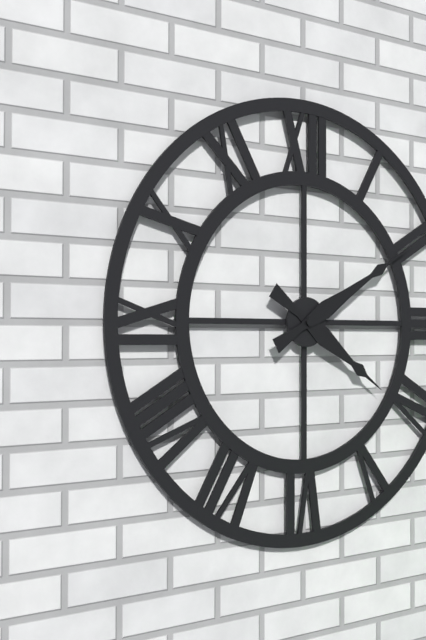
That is h=4 m=10
